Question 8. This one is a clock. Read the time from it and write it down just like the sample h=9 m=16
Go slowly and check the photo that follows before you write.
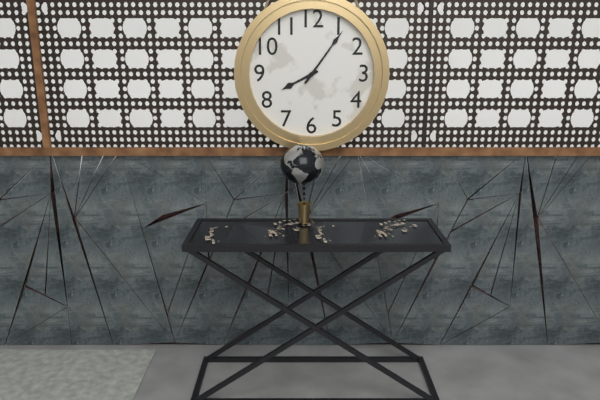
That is h=8 m=6
